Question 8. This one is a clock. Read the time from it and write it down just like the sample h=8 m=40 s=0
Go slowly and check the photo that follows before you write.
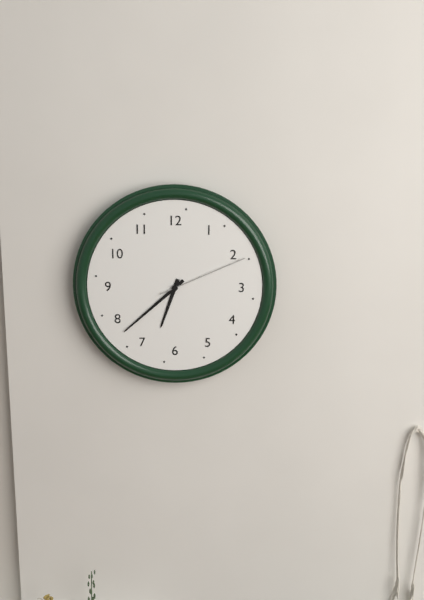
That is h=6 m=38 s=11
